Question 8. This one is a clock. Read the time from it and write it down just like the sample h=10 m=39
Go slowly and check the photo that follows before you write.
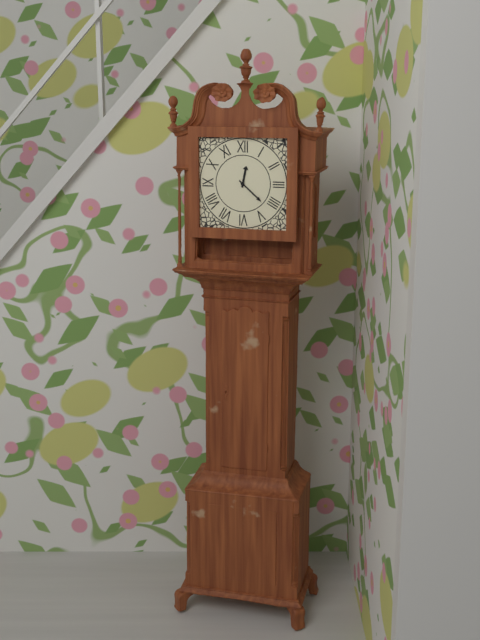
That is h=12 m=22
